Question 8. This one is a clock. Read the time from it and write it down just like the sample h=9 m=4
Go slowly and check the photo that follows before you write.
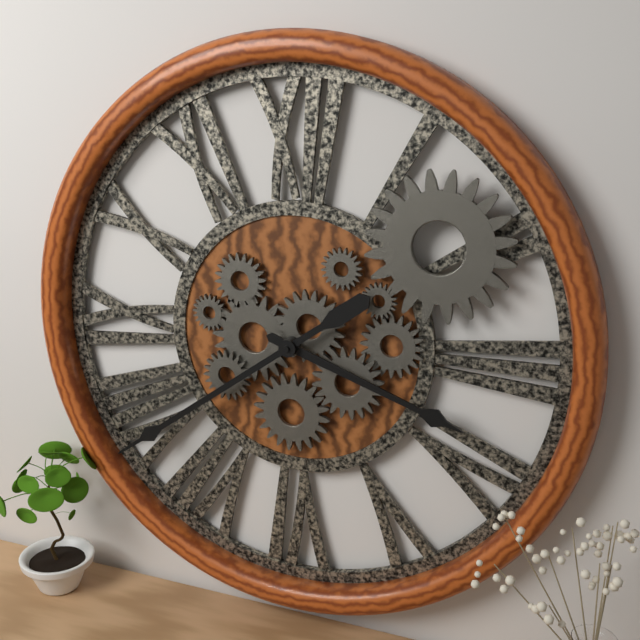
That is h=3 m=39
